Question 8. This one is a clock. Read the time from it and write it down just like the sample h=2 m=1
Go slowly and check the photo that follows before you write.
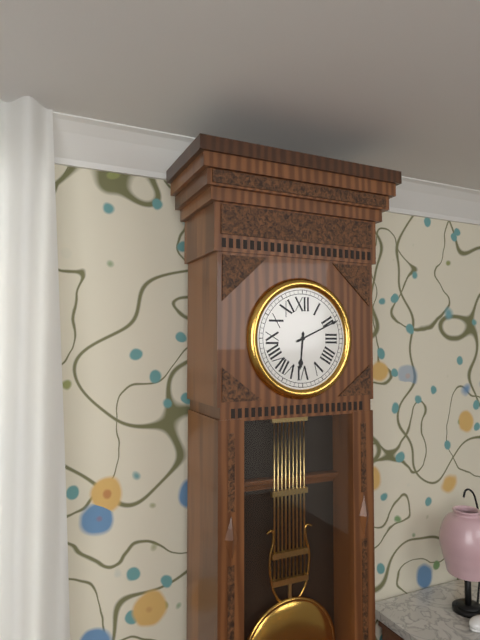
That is h=6 m=11
